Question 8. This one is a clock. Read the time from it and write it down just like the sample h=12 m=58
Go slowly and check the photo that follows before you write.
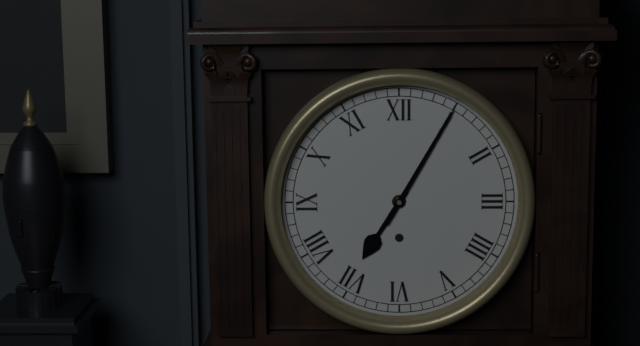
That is h=7 m=5
